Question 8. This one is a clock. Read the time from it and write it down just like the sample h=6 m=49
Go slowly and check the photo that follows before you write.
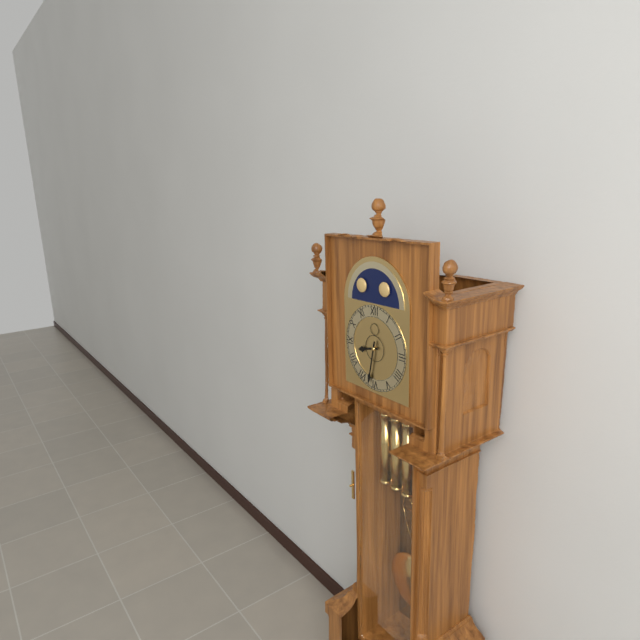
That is h=8 m=32
